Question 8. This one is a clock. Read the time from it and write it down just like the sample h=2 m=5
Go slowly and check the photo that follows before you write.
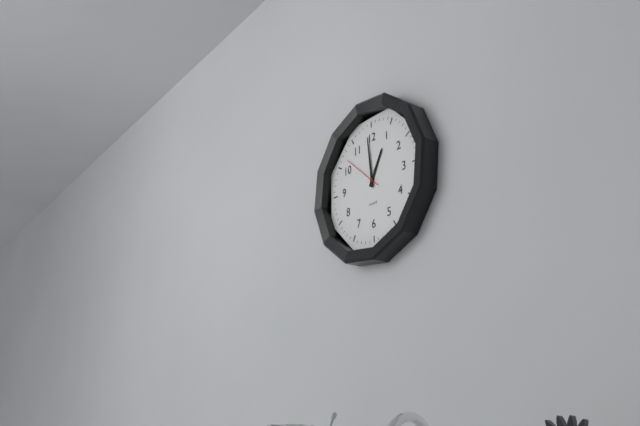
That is h=12 m=59
